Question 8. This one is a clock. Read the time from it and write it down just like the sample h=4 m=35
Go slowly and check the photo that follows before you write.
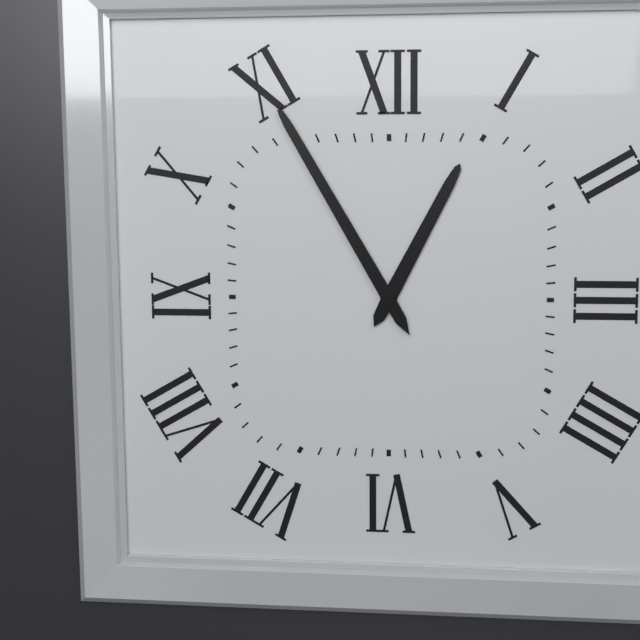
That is h=12 m=55
